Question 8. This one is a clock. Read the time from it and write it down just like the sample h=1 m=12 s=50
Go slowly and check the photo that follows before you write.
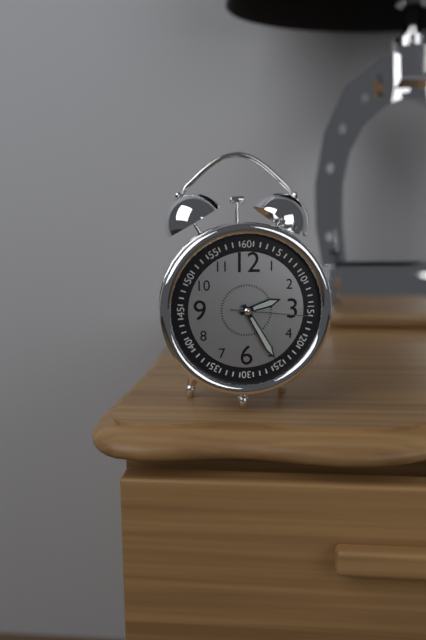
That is h=2 m=25 s=16
